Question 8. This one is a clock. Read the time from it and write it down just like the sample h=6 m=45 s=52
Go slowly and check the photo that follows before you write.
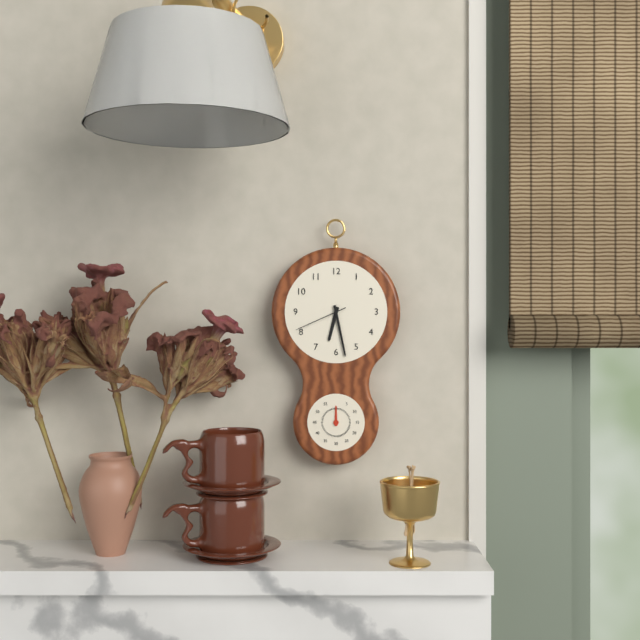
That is h=6 m=28 s=41
